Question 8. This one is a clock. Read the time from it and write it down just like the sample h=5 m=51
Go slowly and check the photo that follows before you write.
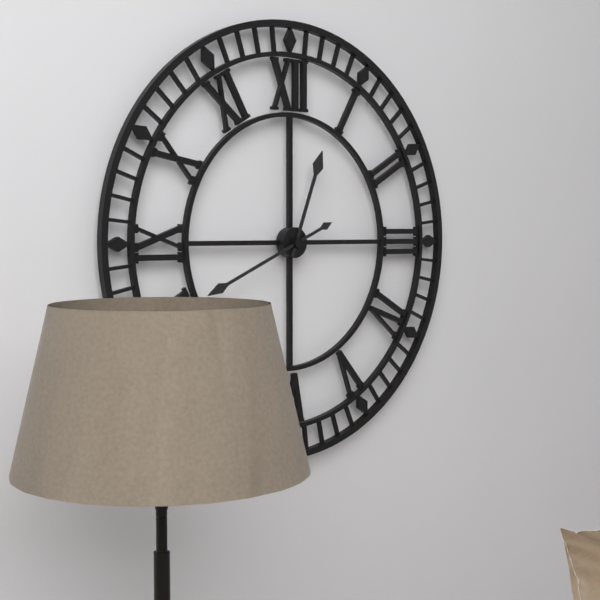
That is h=12 m=41
